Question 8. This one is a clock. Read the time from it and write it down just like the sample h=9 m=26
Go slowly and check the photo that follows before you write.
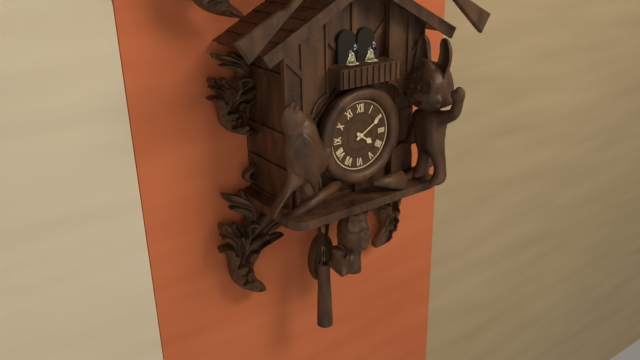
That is h=4 m=10
